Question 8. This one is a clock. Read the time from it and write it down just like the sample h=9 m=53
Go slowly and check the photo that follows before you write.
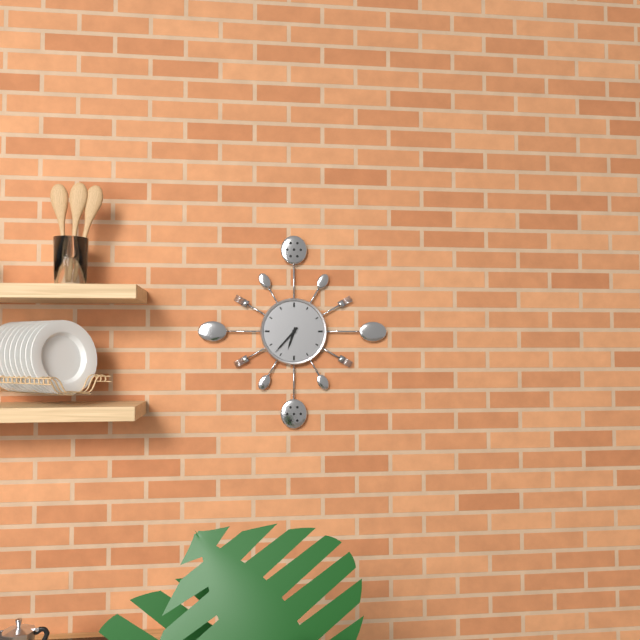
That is h=6 m=37
